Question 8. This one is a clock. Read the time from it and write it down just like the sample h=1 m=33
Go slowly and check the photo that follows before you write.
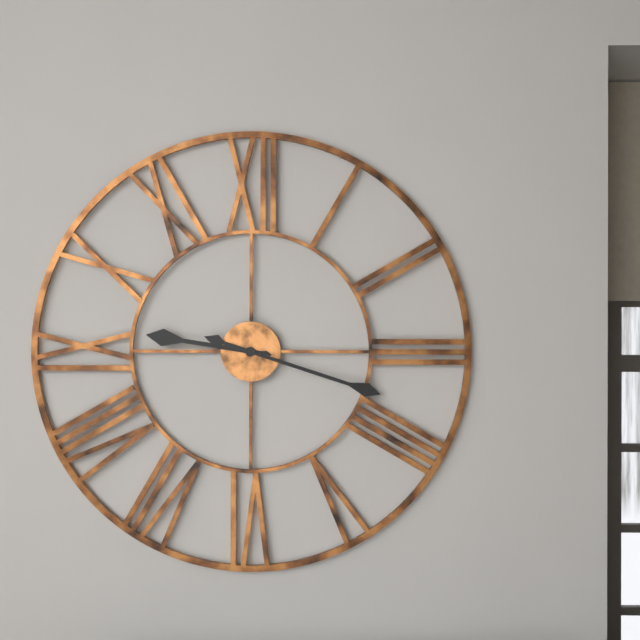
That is h=9 m=18
